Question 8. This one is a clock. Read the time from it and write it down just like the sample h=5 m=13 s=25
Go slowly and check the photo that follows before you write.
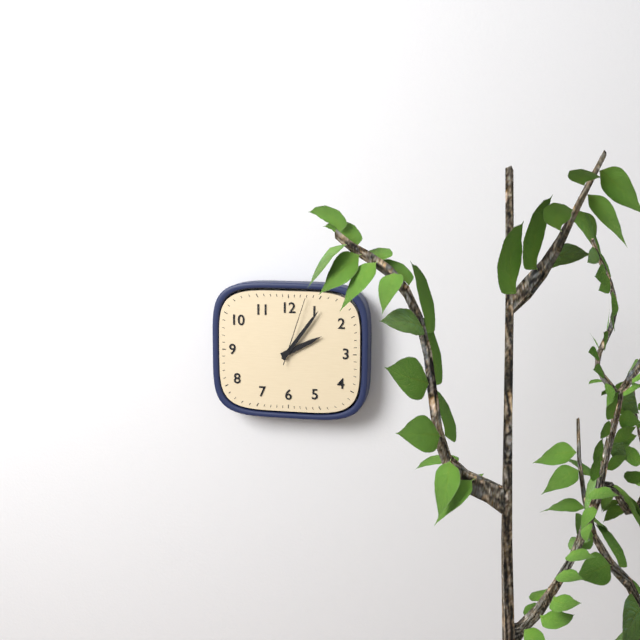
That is h=2 m=6 s=3
